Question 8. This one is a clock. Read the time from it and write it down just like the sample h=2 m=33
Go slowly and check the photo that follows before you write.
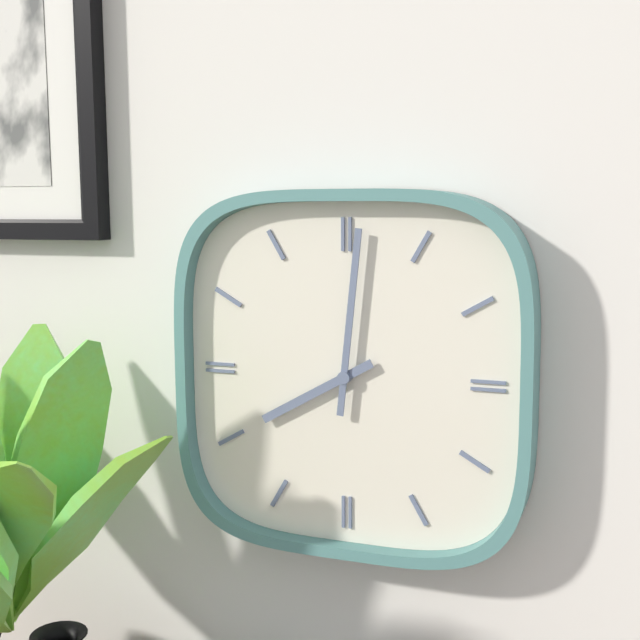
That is h=8 m=1
